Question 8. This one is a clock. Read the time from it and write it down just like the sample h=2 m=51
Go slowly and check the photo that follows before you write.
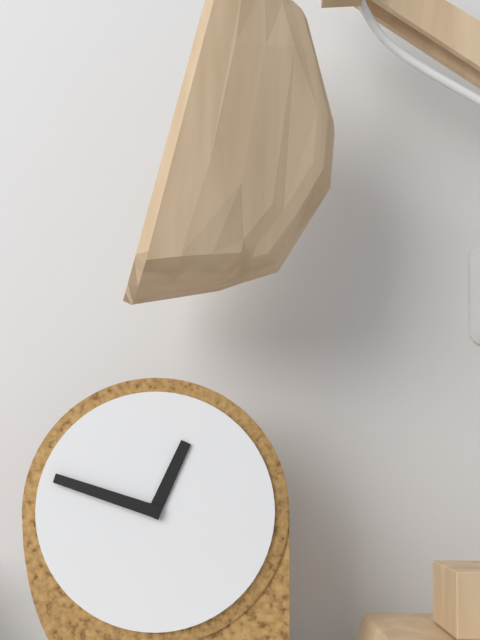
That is h=12 m=48
